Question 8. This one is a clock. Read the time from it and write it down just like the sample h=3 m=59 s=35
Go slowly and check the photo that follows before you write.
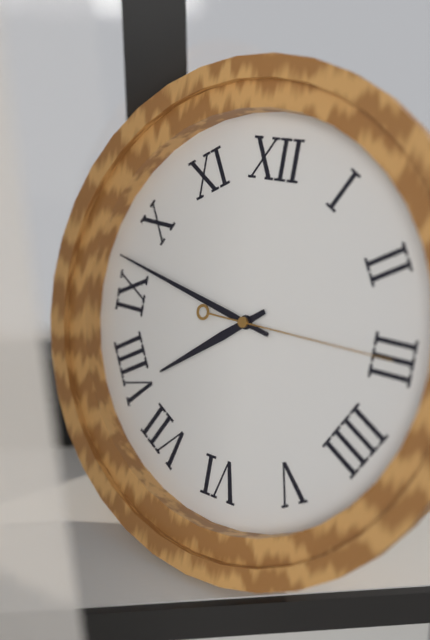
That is h=7 m=47 s=15
